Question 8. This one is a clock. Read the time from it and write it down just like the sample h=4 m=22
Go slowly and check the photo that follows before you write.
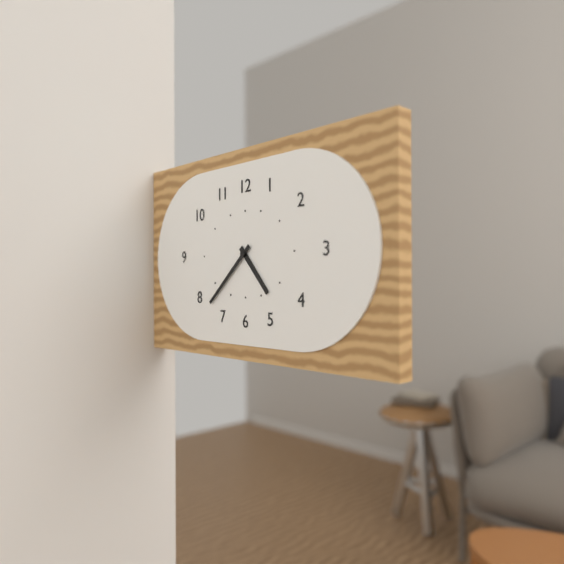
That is h=4 m=38
